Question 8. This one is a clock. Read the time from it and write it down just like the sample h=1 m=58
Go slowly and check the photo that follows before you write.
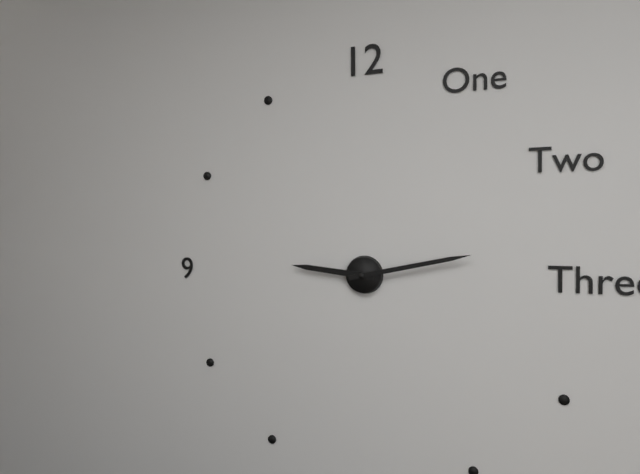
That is h=9 m=13
